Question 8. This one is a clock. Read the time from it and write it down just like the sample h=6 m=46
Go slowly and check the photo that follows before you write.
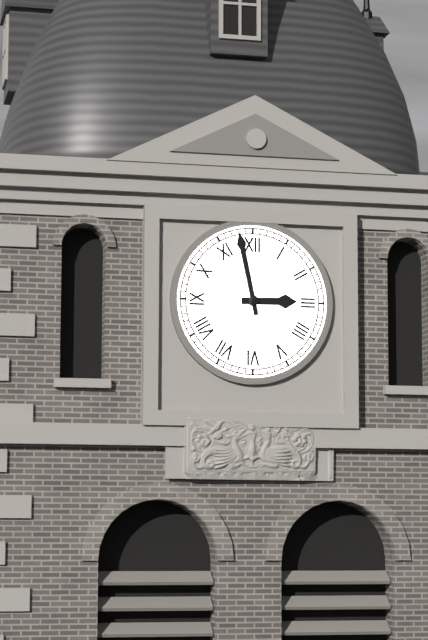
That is h=2 m=58
